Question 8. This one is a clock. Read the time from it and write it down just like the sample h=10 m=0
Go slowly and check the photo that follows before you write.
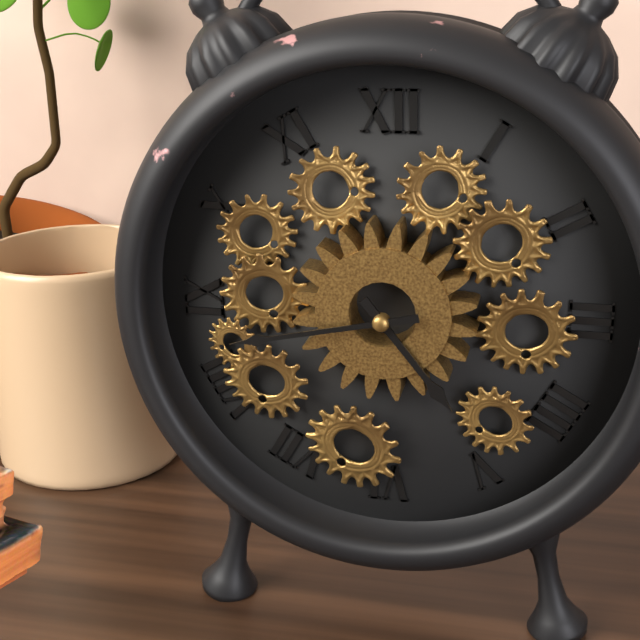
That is h=4 m=43
